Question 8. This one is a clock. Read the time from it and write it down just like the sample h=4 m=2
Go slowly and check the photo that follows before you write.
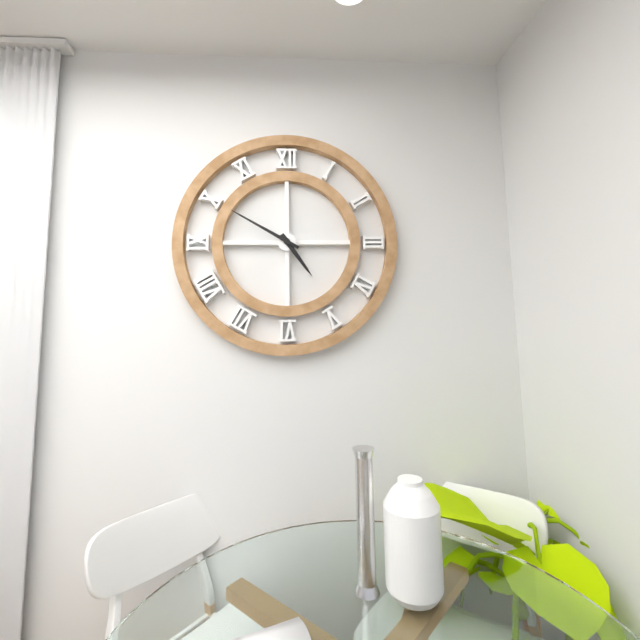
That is h=4 m=50
